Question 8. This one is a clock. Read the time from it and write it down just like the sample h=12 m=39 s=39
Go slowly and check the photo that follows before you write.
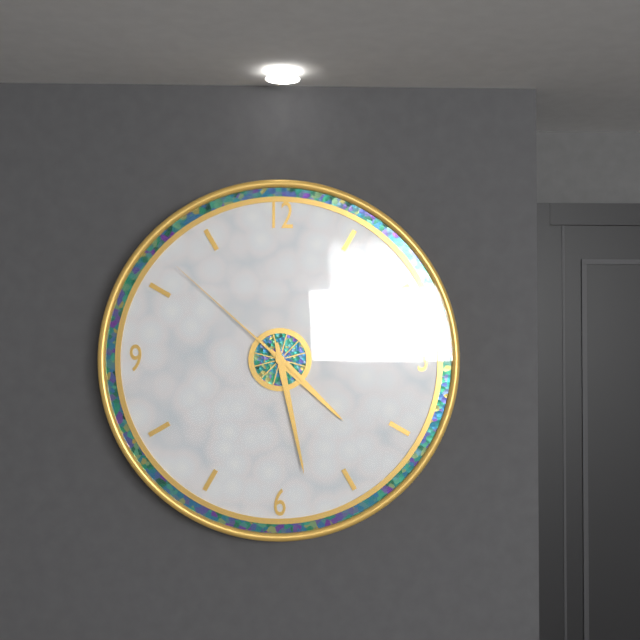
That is h=4 m=28 s=52
